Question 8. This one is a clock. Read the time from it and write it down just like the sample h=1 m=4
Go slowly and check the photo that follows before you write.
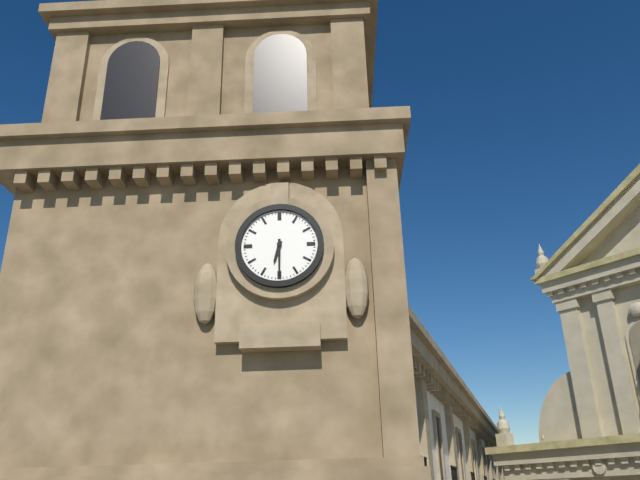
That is h=6 m=30
